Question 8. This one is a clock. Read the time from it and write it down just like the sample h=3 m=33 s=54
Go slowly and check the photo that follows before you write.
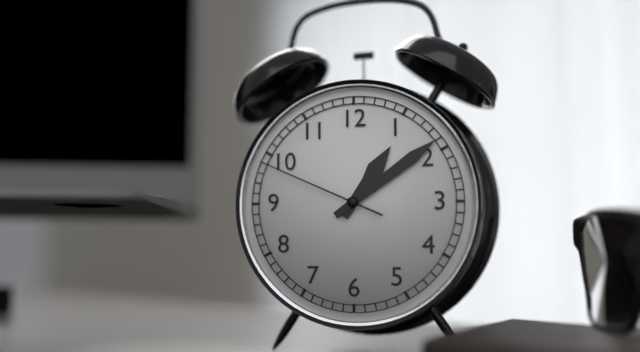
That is h=1 m=9 s=49
